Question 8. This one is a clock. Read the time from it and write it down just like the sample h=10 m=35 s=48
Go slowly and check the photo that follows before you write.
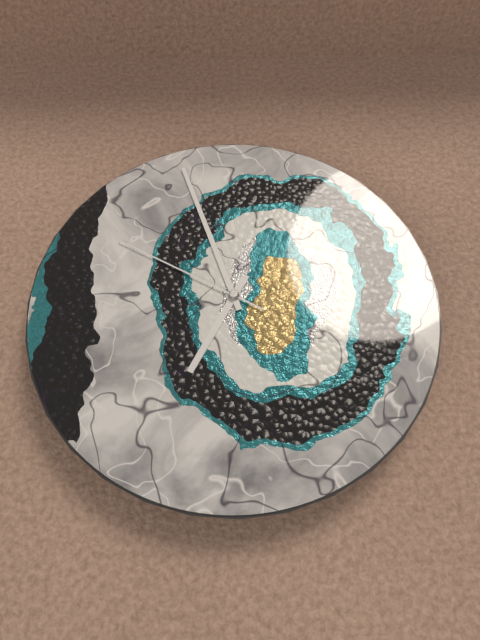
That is h=6 m=57 s=50
